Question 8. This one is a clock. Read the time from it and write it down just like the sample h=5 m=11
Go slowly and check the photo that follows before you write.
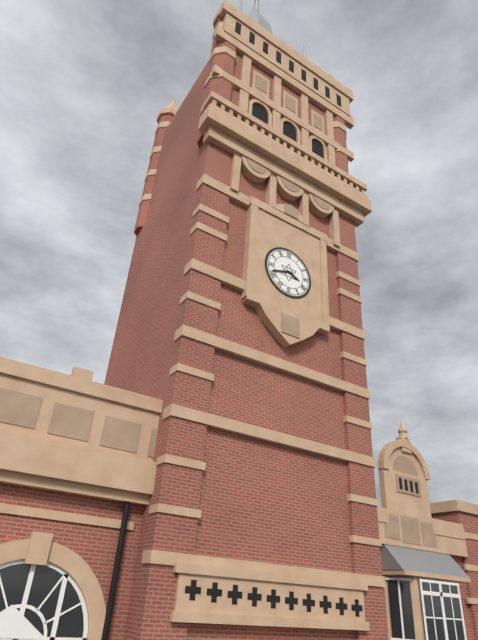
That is h=3 m=42
